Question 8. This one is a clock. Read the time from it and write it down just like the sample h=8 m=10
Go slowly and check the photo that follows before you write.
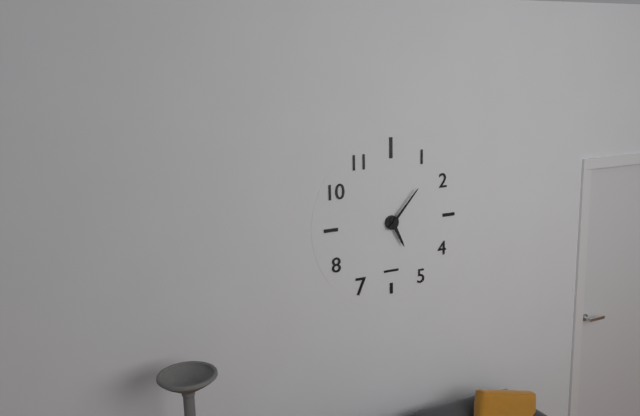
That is h=5 m=7
